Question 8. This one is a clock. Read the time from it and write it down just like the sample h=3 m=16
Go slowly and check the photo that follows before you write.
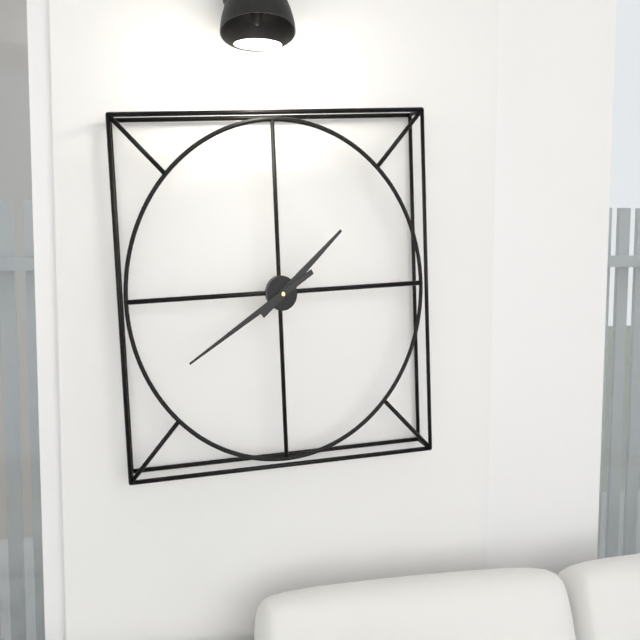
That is h=1 m=40
